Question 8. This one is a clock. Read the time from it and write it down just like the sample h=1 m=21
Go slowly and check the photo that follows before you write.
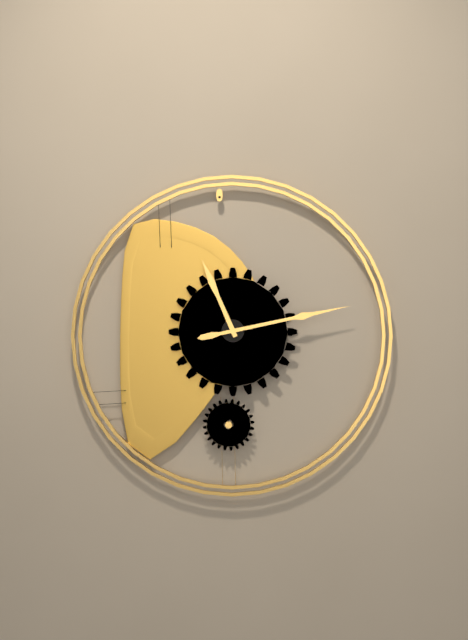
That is h=11 m=13
